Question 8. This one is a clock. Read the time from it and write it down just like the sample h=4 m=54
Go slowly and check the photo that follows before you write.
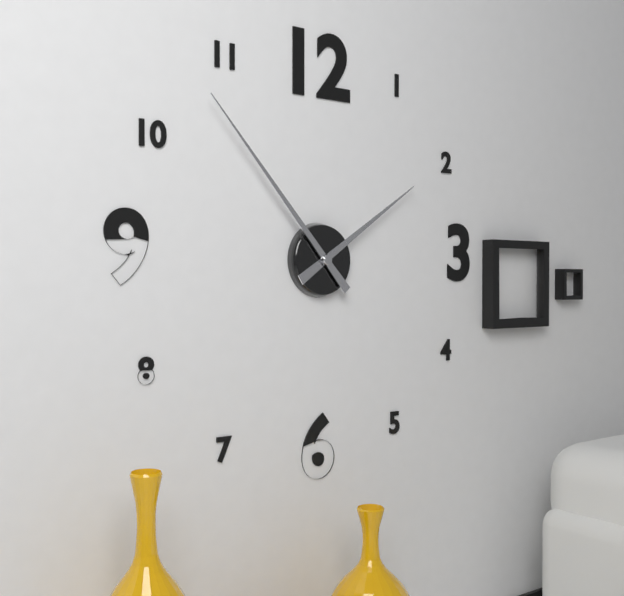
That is h=1 m=53
